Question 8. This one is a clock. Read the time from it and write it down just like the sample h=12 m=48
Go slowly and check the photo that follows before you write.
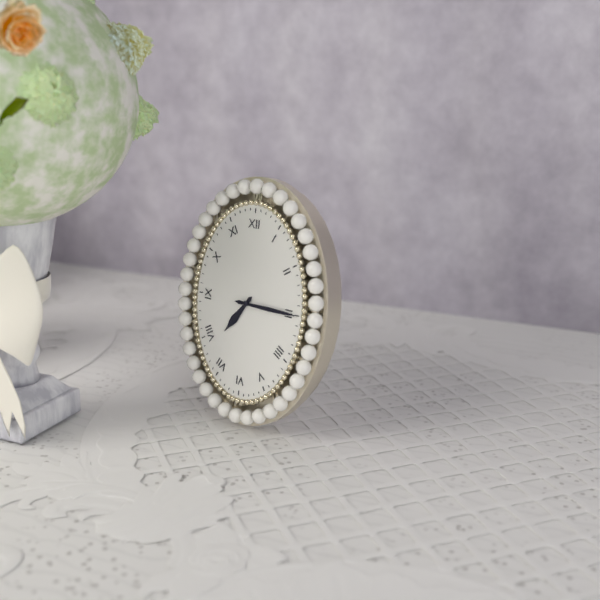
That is h=7 m=15
